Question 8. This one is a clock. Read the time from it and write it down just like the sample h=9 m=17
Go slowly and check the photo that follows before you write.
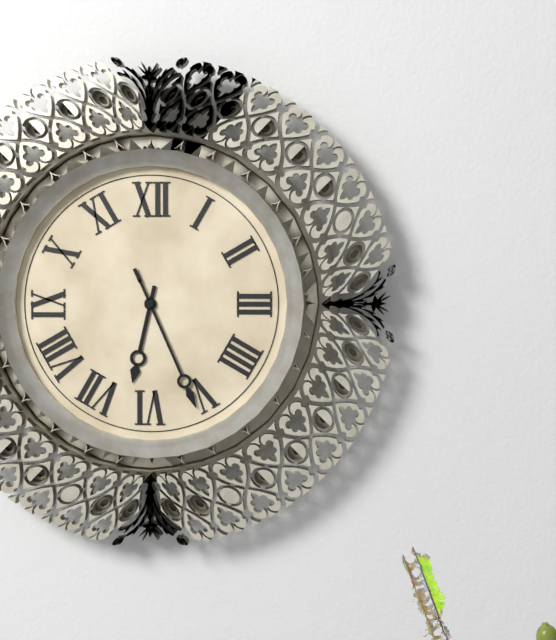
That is h=6 m=26
